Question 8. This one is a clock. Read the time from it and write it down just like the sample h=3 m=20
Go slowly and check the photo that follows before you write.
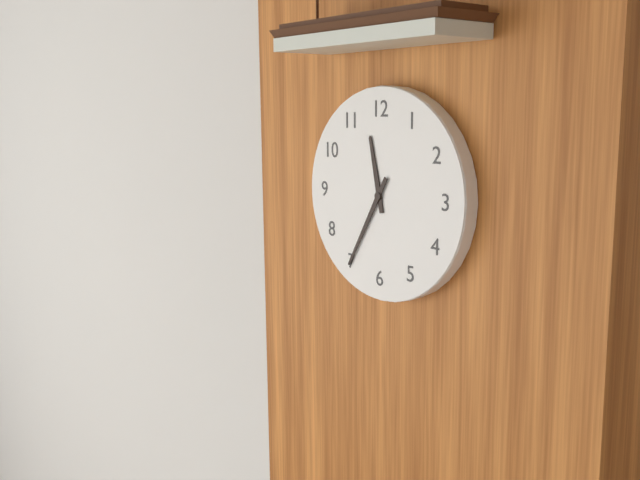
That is h=11 m=35
